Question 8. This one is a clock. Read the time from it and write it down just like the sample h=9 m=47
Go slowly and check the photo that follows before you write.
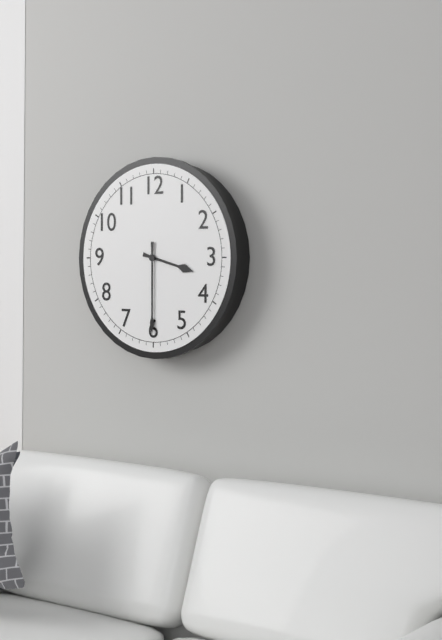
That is h=3 m=30
